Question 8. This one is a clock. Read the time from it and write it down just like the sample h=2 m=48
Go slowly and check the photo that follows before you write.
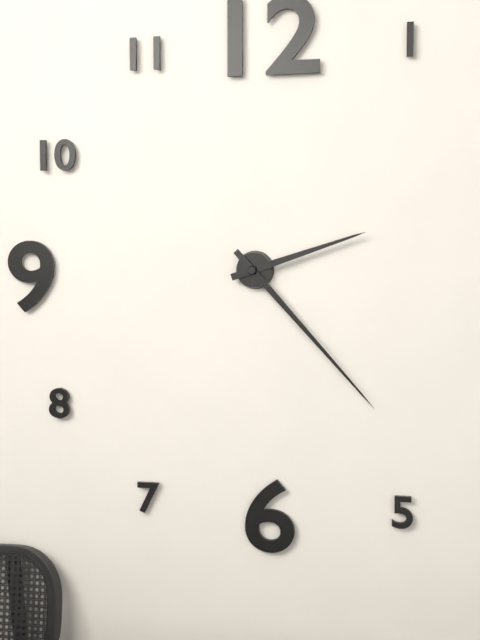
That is h=2 m=23
